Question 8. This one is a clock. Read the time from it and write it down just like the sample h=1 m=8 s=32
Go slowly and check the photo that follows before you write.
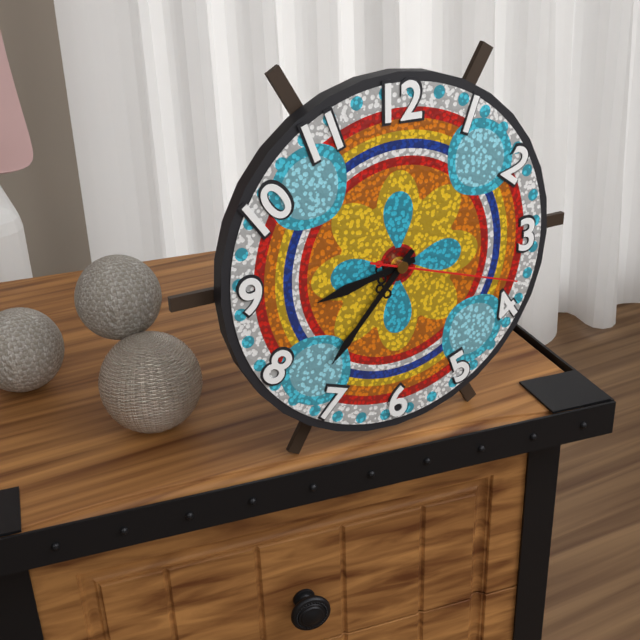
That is h=8 m=37 s=18
